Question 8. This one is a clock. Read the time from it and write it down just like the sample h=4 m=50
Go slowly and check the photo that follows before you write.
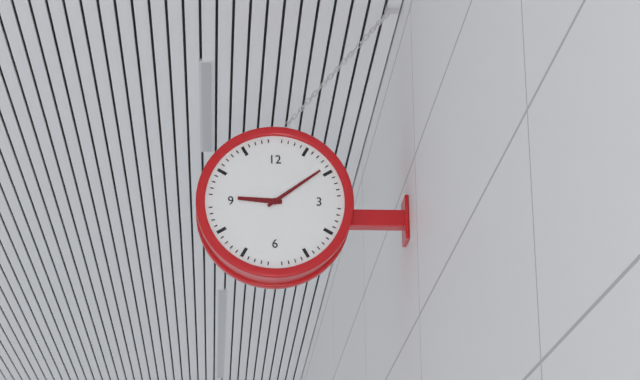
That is h=9 m=9
